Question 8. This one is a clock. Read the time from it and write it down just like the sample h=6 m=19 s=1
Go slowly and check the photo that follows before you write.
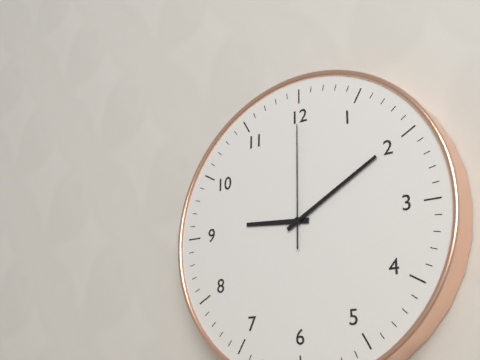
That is h=9 m=10 s=0
